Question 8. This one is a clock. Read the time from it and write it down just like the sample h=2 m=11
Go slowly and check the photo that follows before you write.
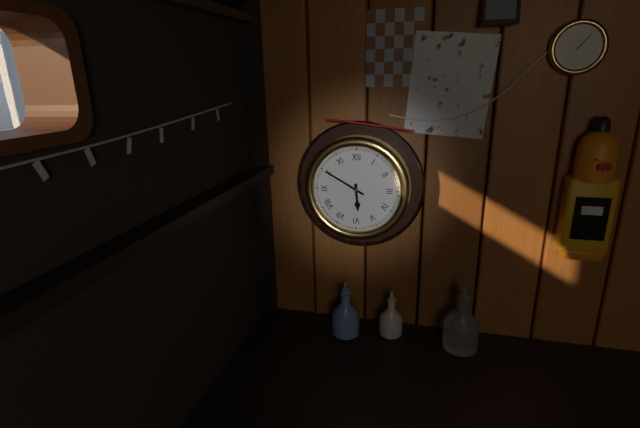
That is h=5 m=50
